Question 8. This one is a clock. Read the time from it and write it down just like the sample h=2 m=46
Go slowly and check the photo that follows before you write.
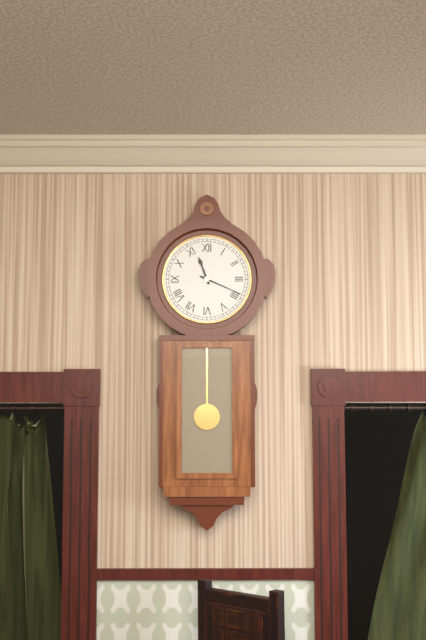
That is h=11 m=19
